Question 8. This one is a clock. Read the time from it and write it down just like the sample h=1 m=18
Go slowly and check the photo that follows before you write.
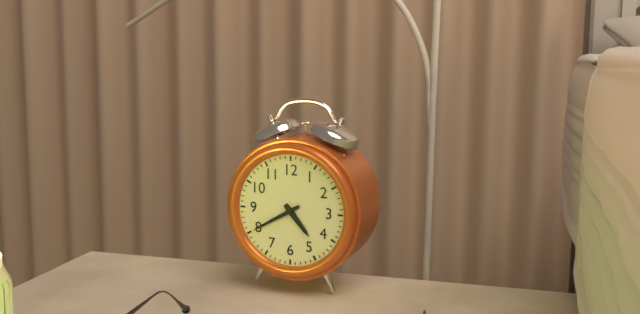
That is h=4 m=40
